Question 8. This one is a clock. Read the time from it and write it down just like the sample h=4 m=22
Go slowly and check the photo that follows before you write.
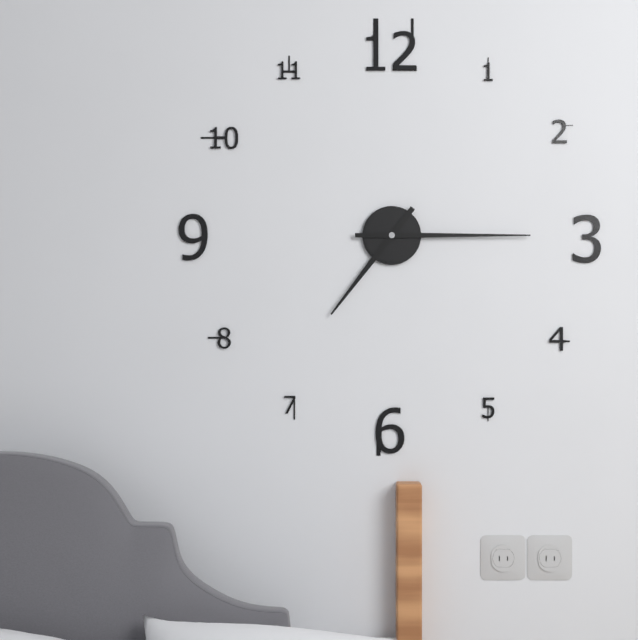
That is h=7 m=15
